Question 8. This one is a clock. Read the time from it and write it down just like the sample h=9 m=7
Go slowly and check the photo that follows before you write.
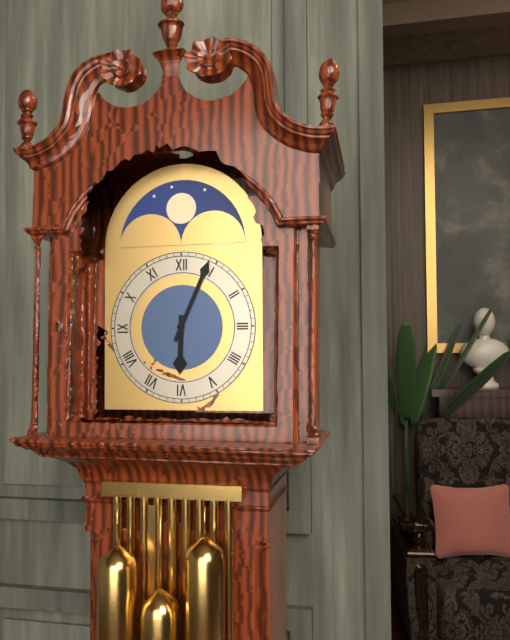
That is h=6 m=4
